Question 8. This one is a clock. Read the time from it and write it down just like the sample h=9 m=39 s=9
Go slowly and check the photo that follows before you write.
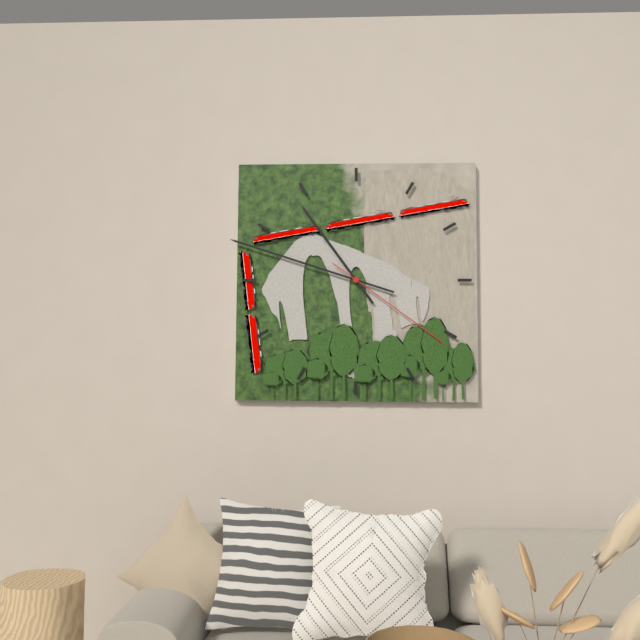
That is h=10 m=48 s=21
